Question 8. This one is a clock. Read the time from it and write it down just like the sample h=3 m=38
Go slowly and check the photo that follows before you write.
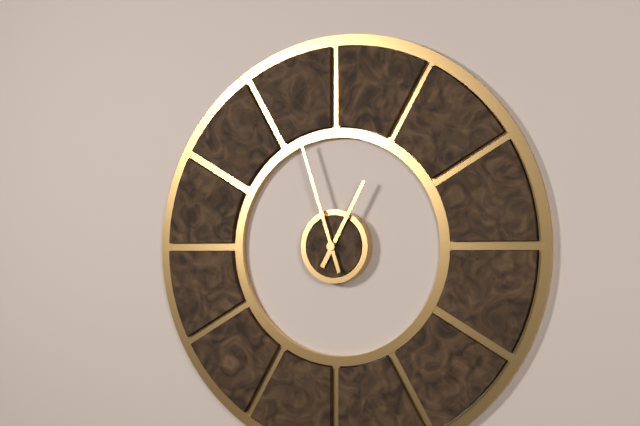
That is h=12 m=57
